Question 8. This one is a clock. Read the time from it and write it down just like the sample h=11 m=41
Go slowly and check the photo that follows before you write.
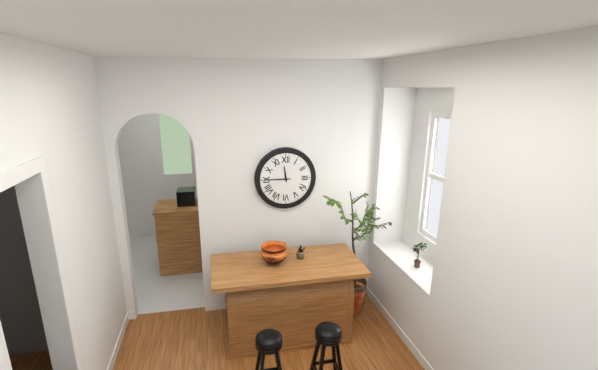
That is h=11 m=45
